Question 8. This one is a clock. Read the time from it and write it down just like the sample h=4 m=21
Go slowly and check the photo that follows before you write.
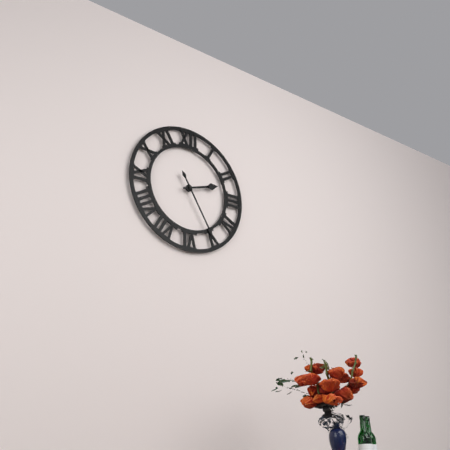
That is h=2 m=25
